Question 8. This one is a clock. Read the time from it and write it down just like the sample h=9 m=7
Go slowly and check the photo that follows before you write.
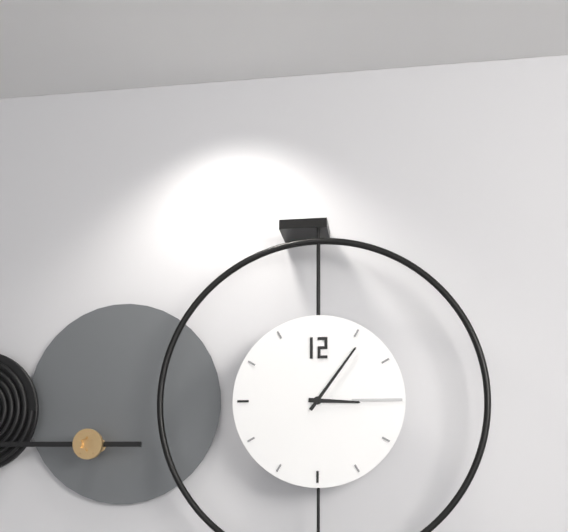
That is h=3 m=6
